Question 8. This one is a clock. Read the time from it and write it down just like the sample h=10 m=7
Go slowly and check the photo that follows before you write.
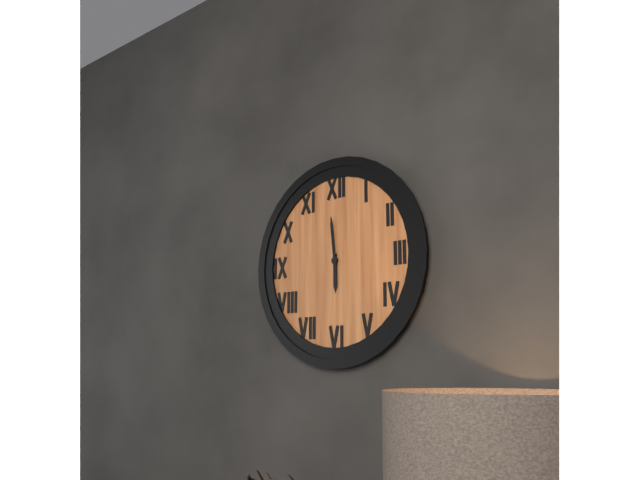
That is h=5 m=59
